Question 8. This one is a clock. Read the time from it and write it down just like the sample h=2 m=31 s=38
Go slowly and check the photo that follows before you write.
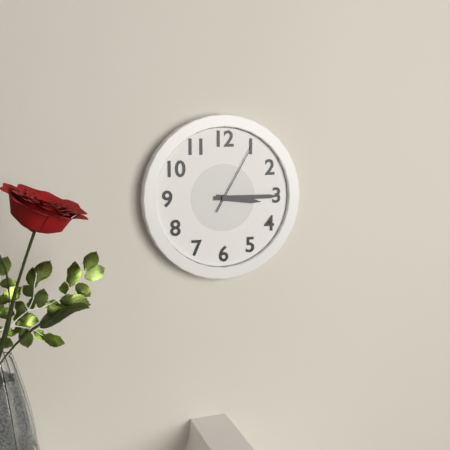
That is h=3 m=15 s=5
